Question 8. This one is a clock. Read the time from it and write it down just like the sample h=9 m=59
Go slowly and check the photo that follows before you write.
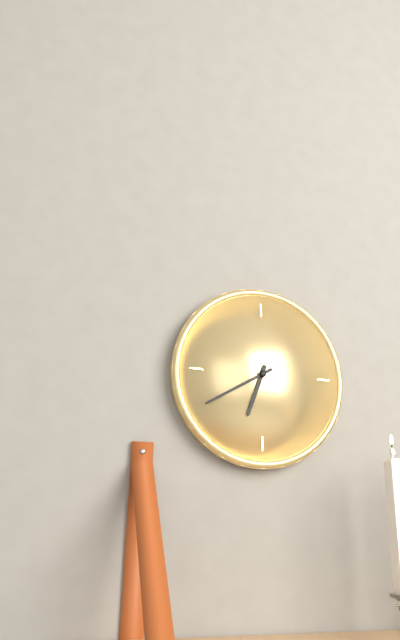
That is h=6 m=40
